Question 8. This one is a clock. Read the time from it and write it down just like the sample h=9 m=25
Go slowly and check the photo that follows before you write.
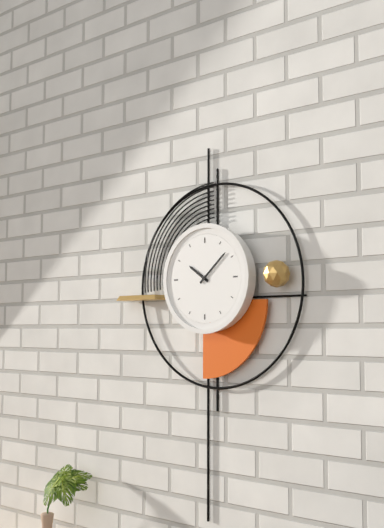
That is h=10 m=8
